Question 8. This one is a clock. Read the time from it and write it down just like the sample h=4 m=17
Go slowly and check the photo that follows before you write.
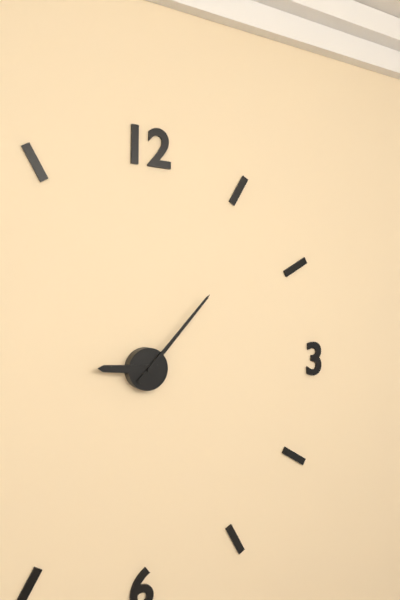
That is h=9 m=7
